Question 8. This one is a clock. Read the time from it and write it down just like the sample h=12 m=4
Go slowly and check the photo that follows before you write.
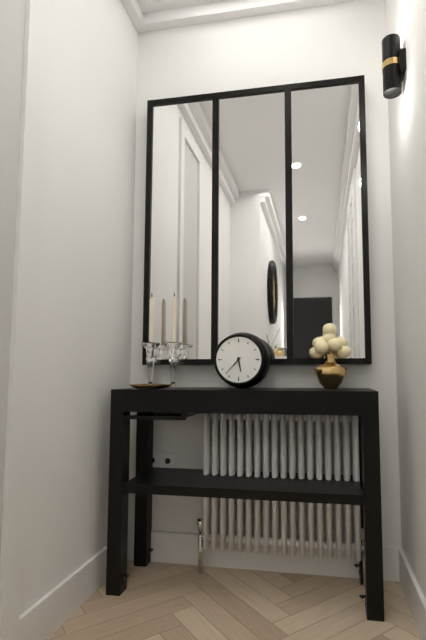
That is h=5 m=37
